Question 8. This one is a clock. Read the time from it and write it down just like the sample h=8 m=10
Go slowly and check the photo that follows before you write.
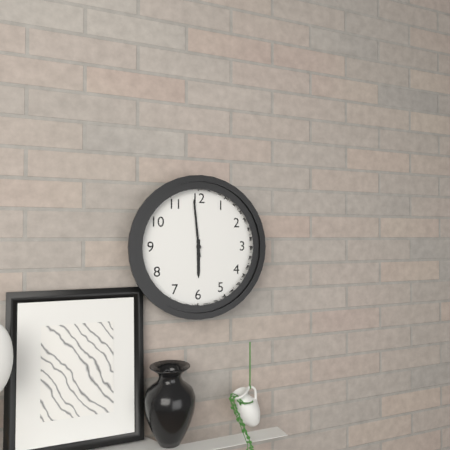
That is h=5 m=59
